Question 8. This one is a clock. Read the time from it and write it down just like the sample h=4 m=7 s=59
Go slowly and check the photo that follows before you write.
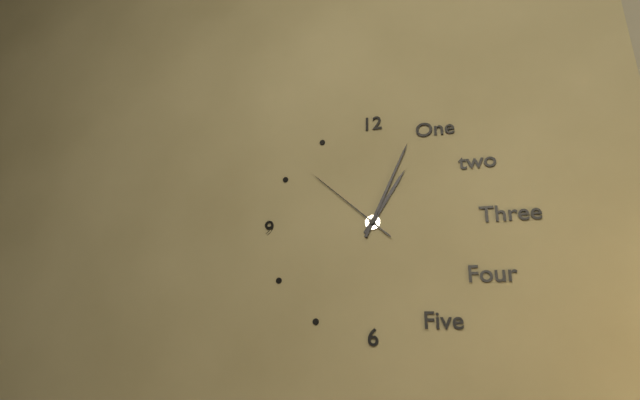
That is h=1 m=4 s=52
